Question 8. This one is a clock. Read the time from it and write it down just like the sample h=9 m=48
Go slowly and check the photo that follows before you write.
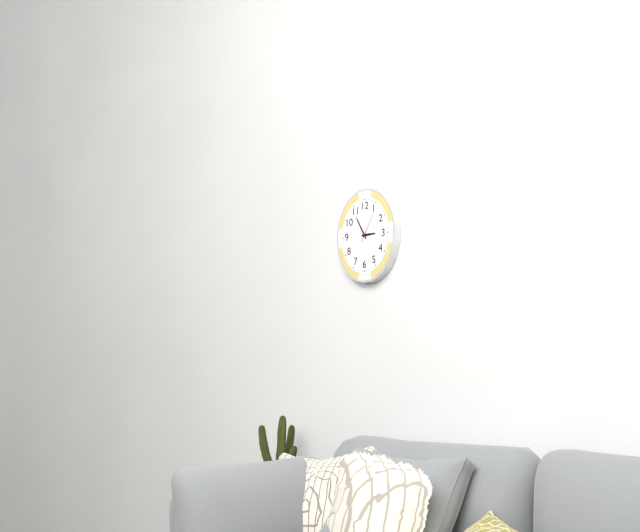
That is h=2 m=55
